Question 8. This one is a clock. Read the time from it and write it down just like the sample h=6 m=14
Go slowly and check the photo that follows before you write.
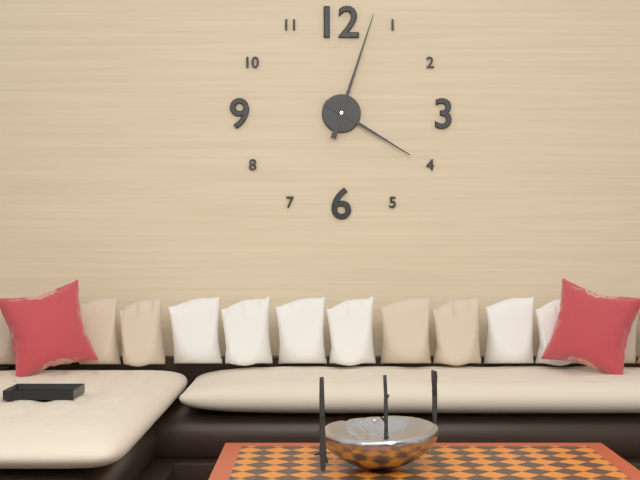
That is h=4 m=3
